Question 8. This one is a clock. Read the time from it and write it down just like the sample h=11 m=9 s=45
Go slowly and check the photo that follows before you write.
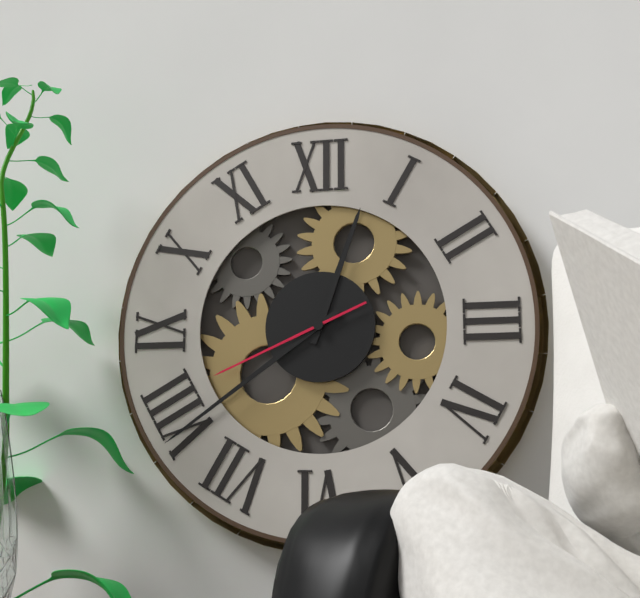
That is h=12 m=39 s=41
